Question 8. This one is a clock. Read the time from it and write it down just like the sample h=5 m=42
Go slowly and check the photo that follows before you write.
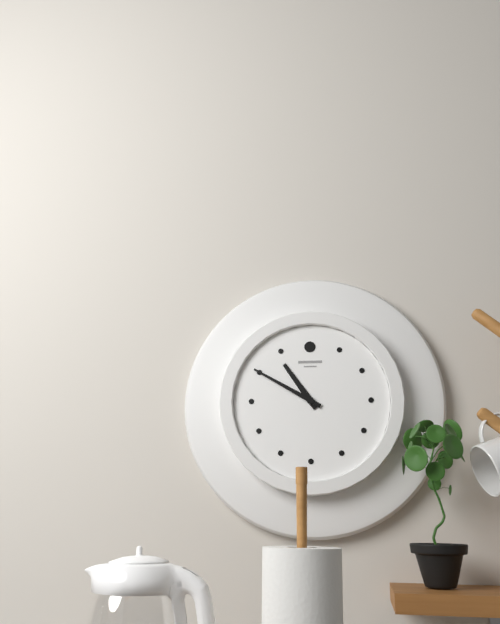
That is h=10 m=50
